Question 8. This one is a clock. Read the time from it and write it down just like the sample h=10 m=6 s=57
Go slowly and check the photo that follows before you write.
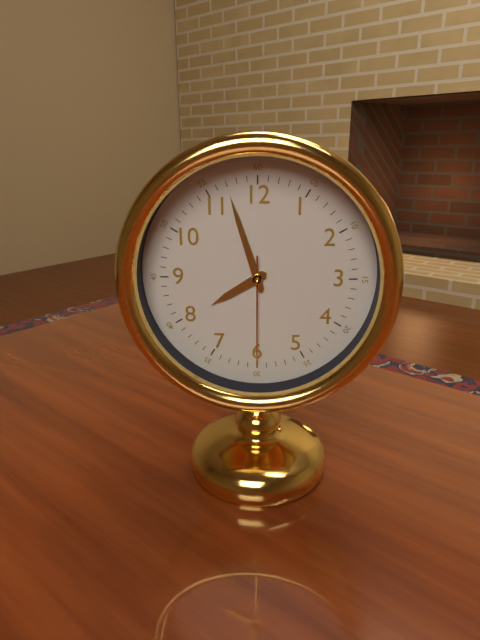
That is h=7 m=57 s=30
